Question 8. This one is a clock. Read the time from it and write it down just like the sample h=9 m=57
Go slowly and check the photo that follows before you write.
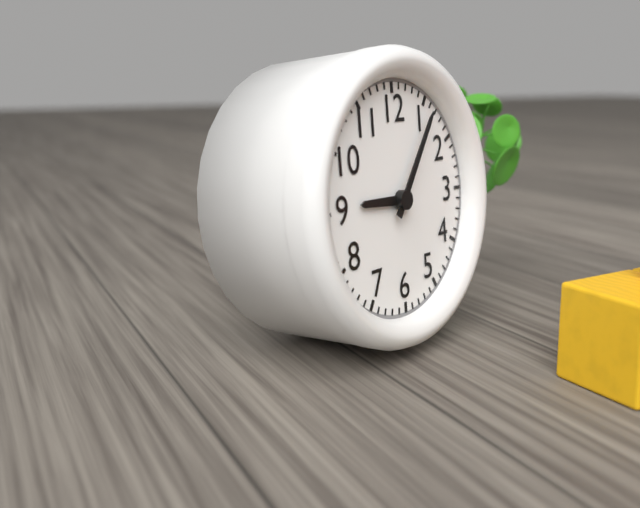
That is h=9 m=6
